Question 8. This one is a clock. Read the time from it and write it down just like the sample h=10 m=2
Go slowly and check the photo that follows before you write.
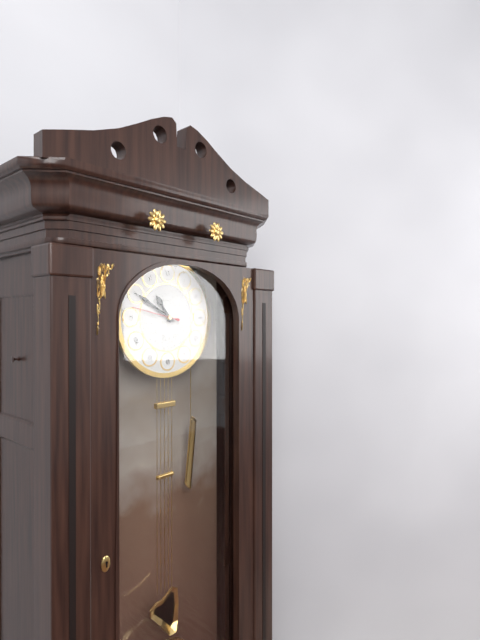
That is h=10 m=50
